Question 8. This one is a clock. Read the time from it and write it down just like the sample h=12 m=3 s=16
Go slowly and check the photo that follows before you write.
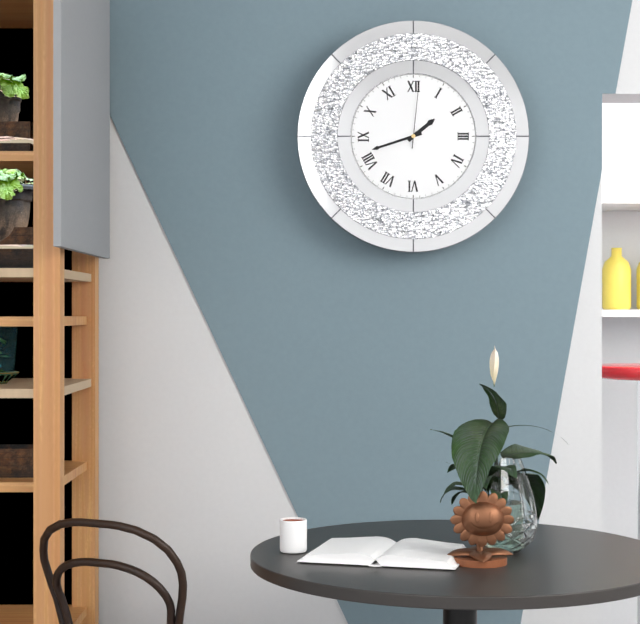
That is h=1 m=42 s=1
